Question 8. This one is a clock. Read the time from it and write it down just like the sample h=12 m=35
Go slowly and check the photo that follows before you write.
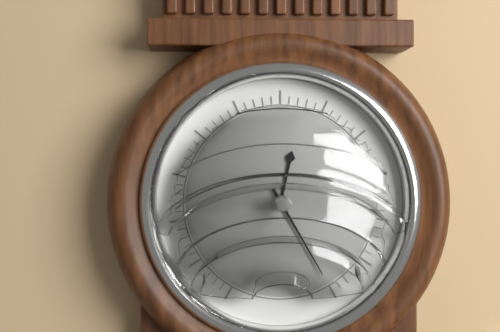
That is h=12 m=25
